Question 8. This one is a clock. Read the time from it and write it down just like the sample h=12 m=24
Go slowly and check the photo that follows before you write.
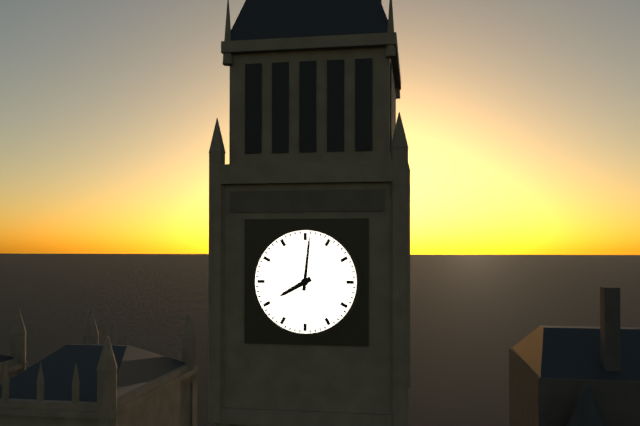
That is h=8 m=1
